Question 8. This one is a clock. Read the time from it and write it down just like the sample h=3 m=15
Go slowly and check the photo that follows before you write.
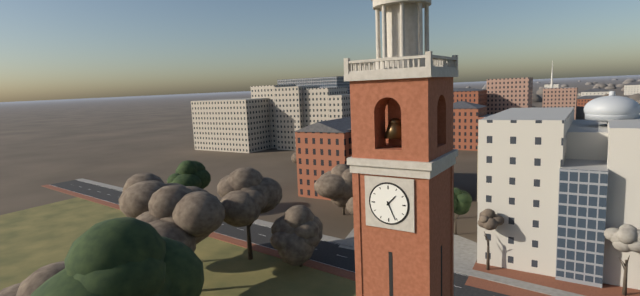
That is h=1 m=26
